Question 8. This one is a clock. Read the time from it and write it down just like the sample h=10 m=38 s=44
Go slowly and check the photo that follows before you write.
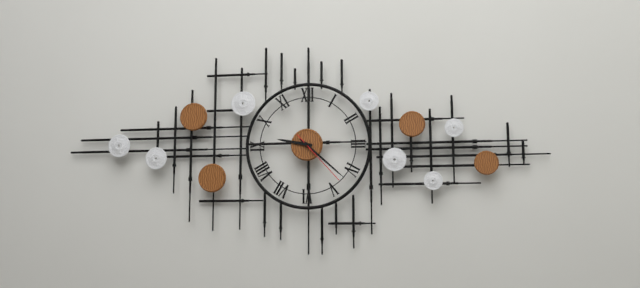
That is h=9 m=22 s=23
